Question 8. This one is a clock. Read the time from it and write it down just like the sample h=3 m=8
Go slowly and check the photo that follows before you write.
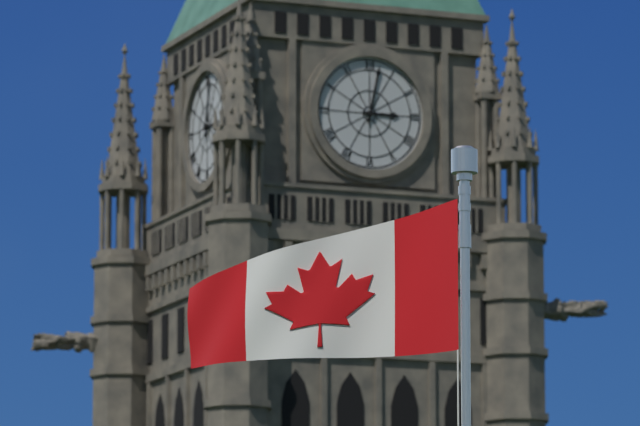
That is h=3 m=2
